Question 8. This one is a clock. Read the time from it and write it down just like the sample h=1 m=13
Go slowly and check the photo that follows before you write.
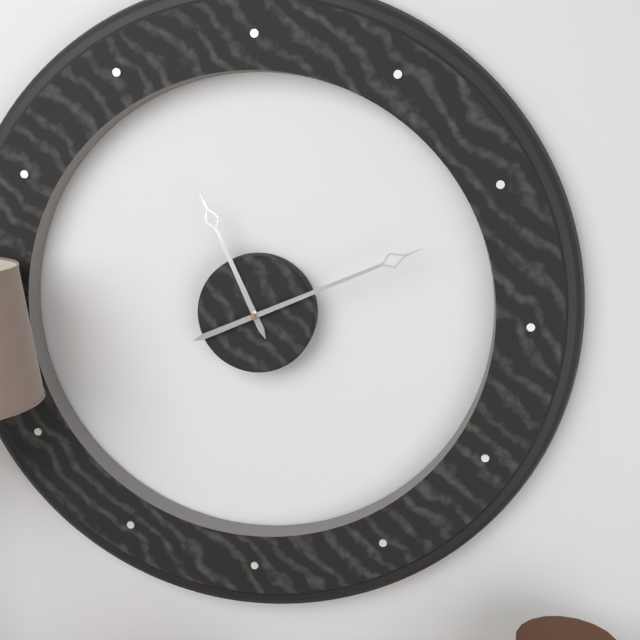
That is h=11 m=11
